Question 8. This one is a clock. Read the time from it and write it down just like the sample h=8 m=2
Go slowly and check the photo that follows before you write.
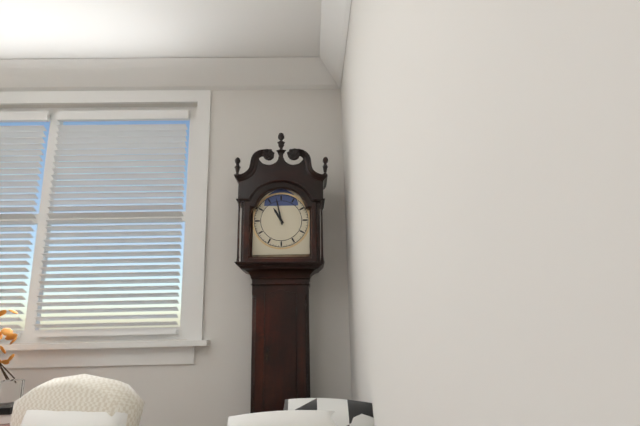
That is h=10 m=58
